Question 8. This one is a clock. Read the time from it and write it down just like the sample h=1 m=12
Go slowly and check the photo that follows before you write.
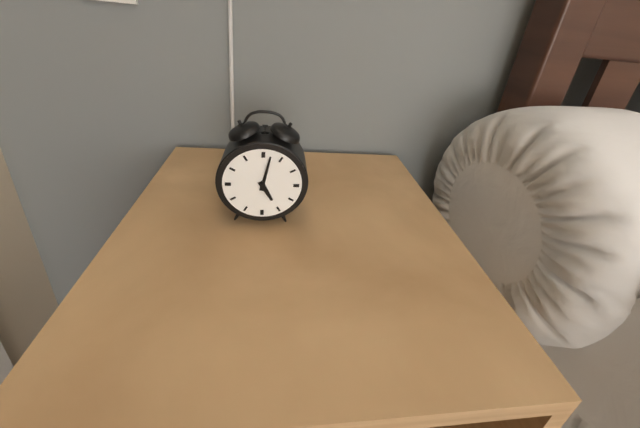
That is h=5 m=2
